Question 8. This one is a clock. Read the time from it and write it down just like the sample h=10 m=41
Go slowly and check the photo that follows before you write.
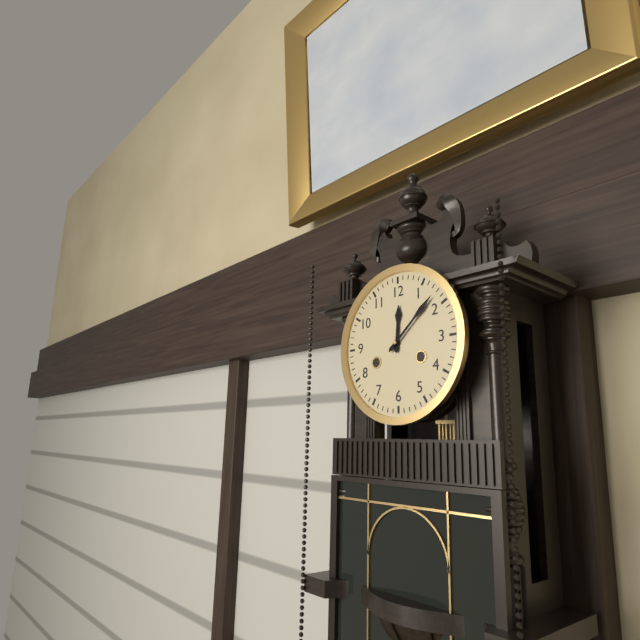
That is h=12 m=8
